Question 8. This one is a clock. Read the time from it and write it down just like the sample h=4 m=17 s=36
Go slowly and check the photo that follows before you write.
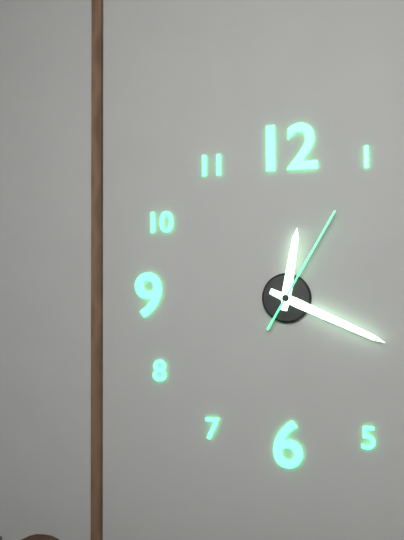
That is h=12 m=19 s=5
